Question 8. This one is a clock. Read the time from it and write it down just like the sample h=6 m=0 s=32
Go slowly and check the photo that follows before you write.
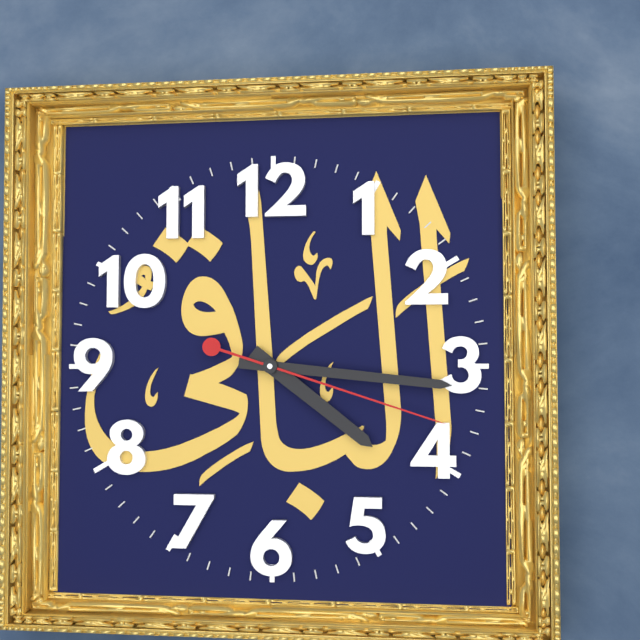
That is h=4 m=16 s=18
